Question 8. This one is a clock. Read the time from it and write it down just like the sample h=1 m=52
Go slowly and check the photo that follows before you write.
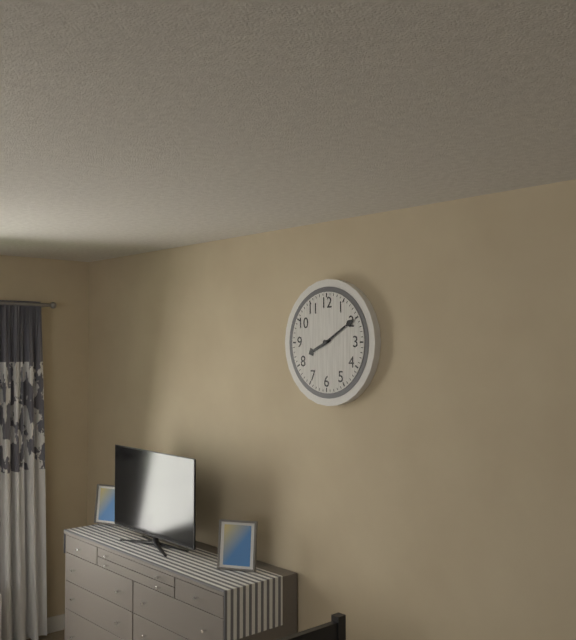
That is h=8 m=10
